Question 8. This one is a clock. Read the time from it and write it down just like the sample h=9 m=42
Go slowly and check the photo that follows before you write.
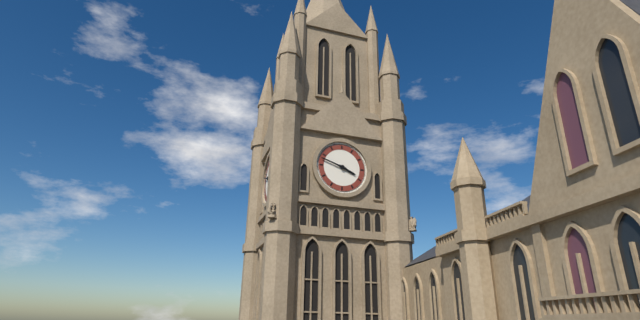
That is h=3 m=48
